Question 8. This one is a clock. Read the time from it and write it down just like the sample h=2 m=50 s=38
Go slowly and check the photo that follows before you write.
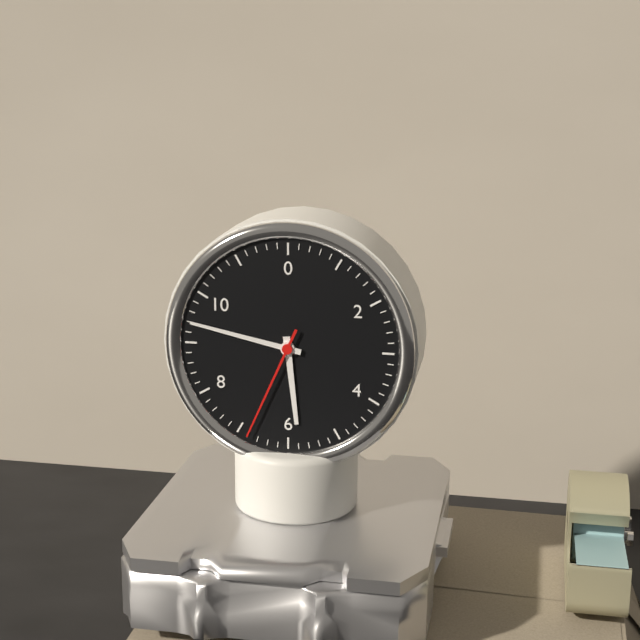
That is h=5 m=47 s=34
